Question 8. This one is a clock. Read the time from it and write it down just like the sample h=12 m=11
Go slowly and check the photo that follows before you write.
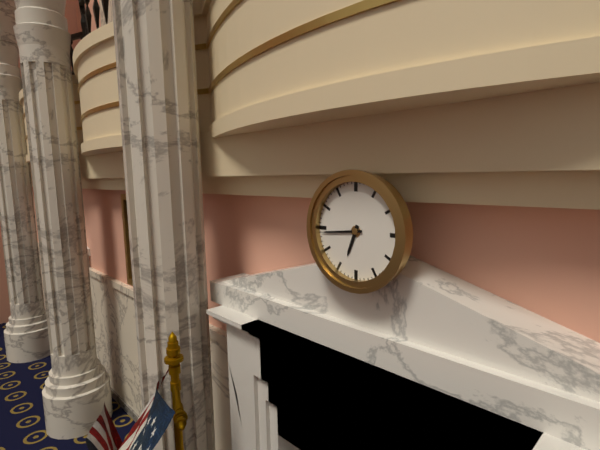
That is h=6 m=44
